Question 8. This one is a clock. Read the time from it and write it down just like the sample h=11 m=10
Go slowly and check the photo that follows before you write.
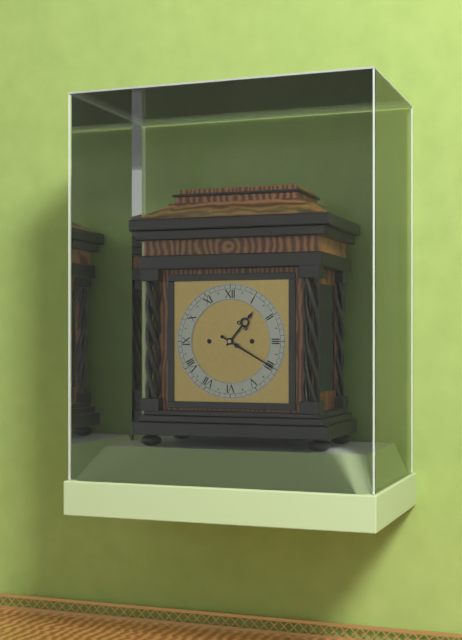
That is h=1 m=20
